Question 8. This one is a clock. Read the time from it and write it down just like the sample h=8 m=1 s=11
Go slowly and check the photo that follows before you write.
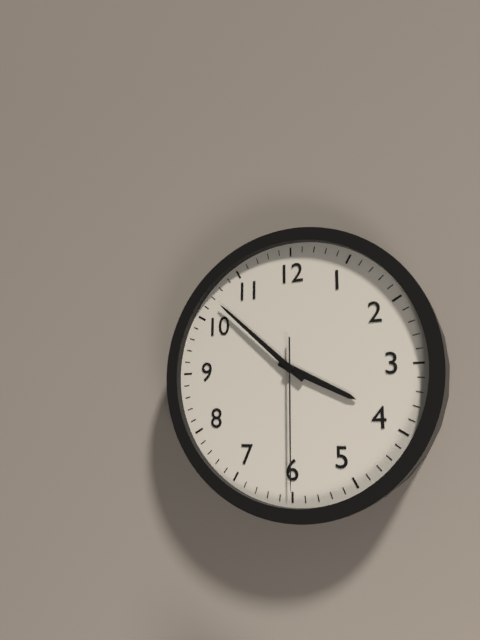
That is h=3 m=52 s=30
